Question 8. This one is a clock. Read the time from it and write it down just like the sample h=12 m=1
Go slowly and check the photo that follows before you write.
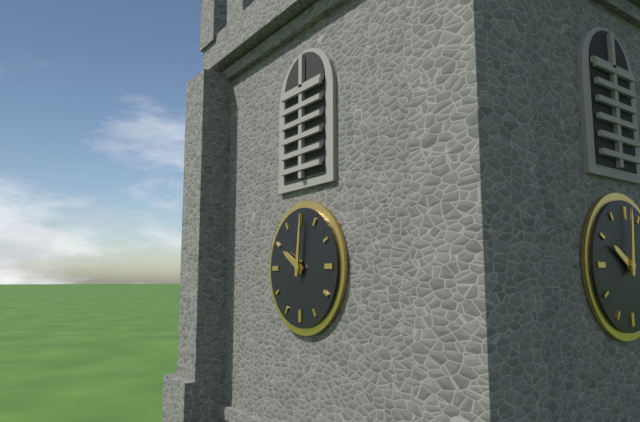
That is h=10 m=1
